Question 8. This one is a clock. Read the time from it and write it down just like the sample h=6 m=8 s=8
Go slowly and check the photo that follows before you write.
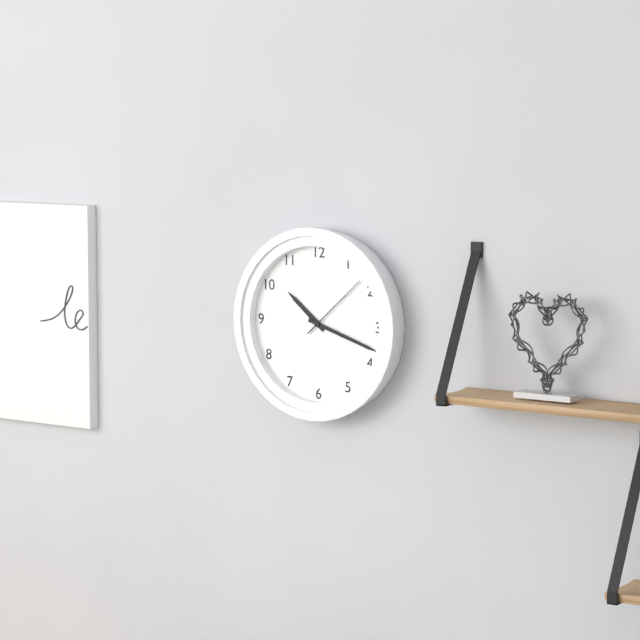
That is h=10 m=18 s=8
